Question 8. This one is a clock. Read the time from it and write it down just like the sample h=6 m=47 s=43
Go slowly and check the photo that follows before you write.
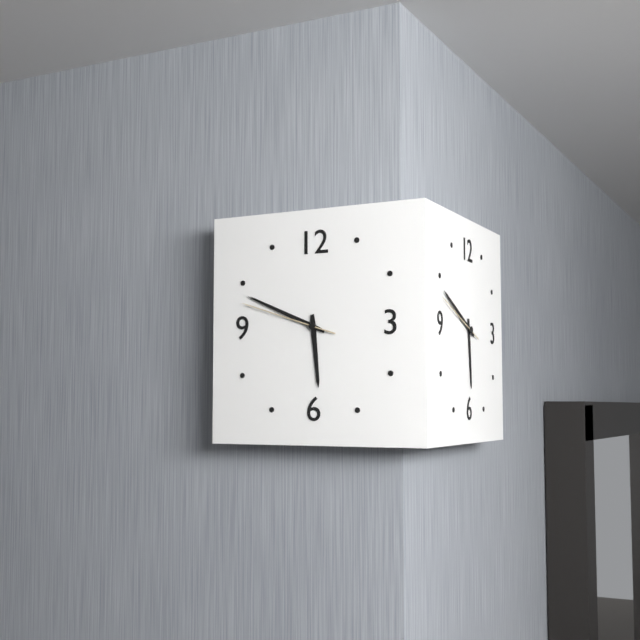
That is h=5 m=49 s=48
